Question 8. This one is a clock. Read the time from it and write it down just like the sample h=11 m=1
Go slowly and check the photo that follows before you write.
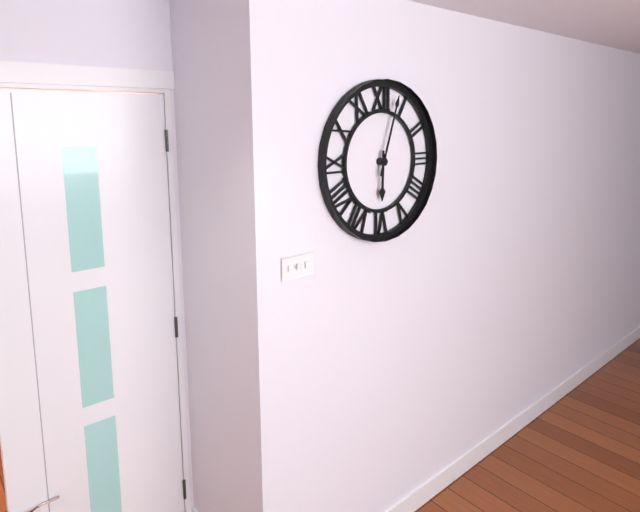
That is h=6 m=3
